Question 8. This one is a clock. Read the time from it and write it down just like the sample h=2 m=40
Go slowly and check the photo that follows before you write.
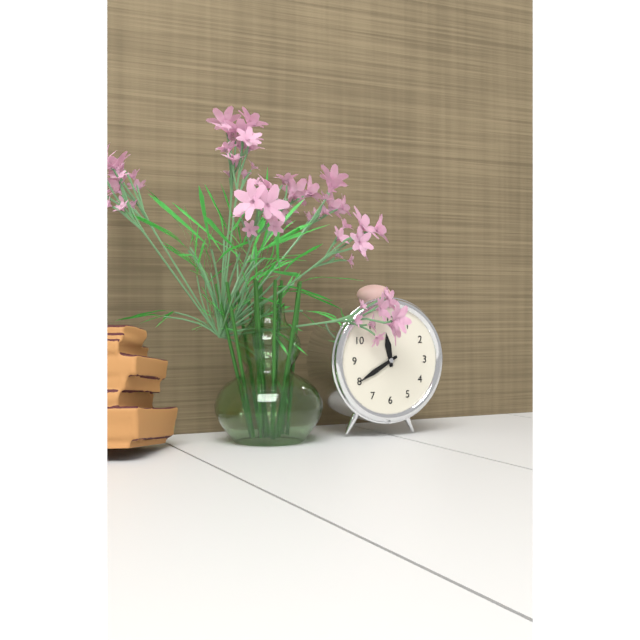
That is h=11 m=40
